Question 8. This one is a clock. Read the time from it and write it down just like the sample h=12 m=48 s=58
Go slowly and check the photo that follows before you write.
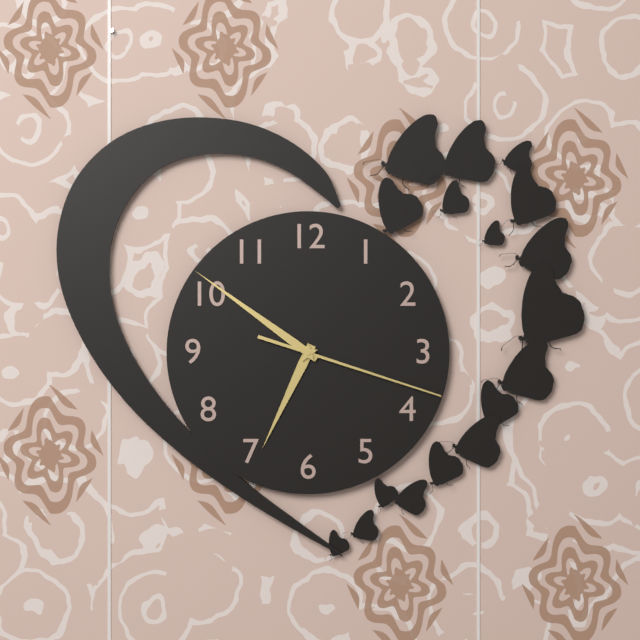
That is h=6 m=51 s=18
